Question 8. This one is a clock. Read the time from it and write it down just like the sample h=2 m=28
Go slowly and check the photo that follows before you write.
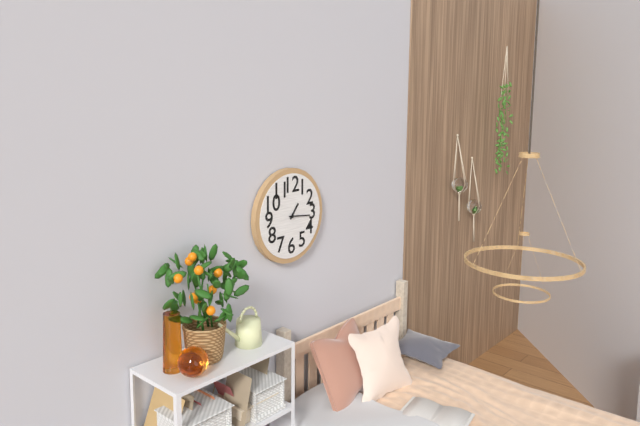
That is h=1 m=16
